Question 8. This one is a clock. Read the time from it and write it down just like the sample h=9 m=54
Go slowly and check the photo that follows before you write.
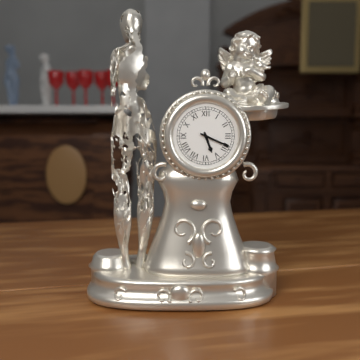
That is h=5 m=19
